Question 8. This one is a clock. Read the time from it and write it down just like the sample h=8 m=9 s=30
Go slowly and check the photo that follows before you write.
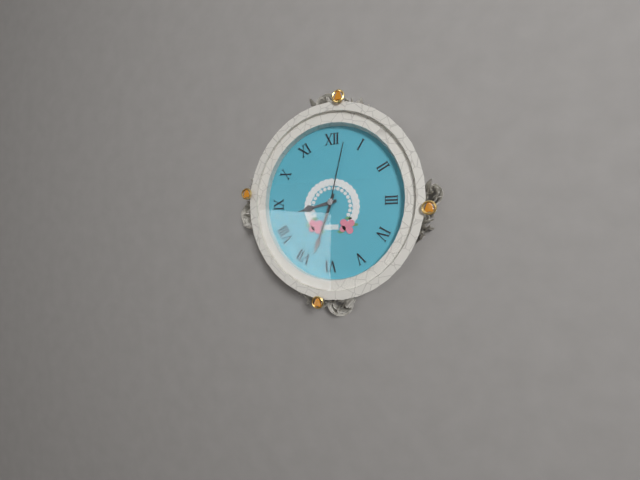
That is h=8 m=33 s=2
